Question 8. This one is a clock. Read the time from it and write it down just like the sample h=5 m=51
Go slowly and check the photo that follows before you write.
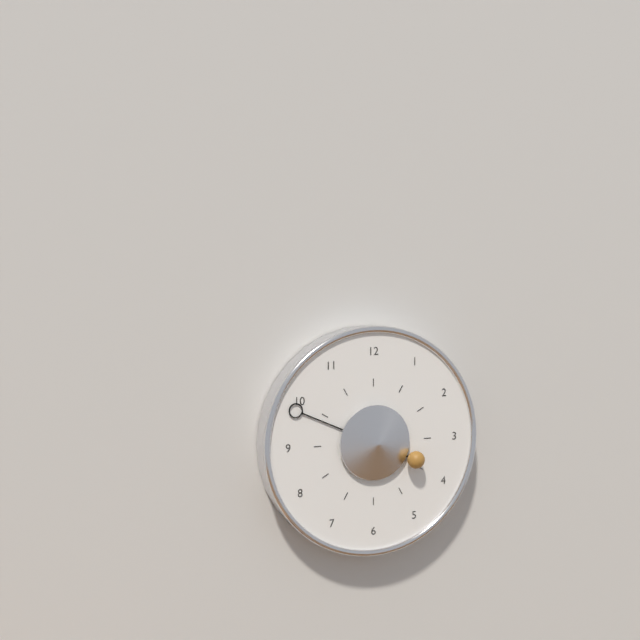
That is h=3 m=49
